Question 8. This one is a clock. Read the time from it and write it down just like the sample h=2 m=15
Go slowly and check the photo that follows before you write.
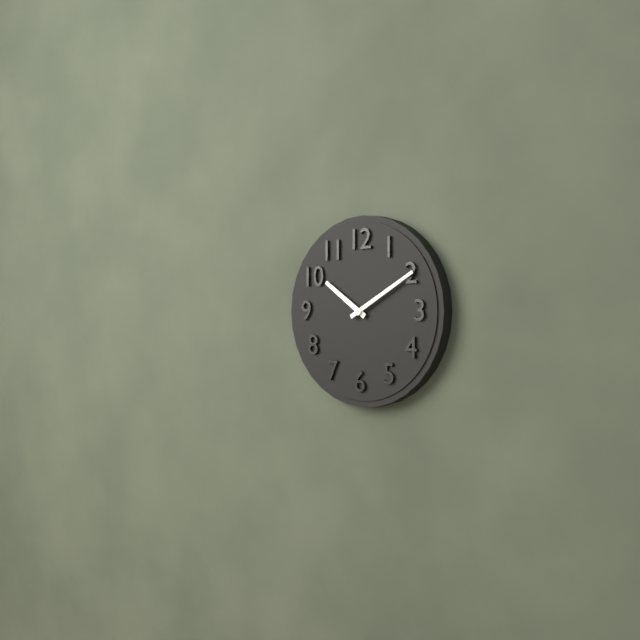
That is h=10 m=10
